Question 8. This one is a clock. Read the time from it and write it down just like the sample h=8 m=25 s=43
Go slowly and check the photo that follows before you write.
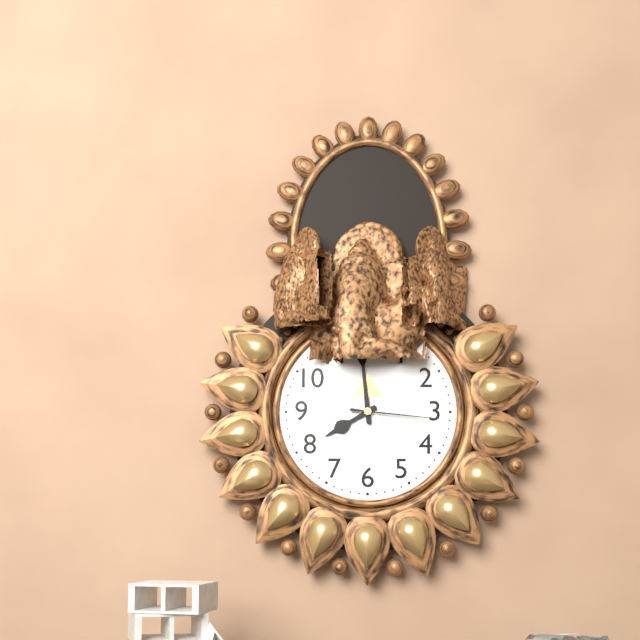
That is h=7 m=59 s=16
